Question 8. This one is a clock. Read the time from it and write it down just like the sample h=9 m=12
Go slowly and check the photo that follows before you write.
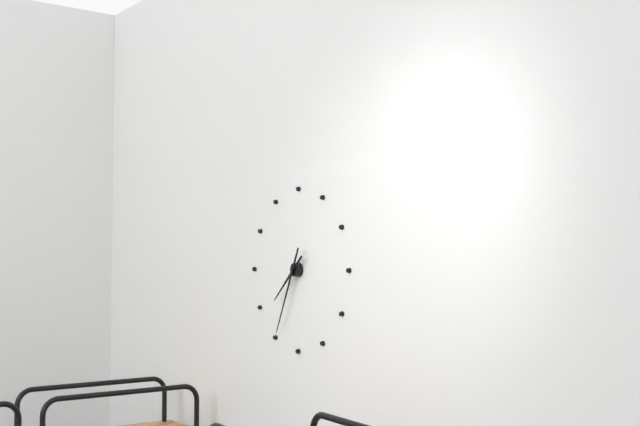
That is h=7 m=34
